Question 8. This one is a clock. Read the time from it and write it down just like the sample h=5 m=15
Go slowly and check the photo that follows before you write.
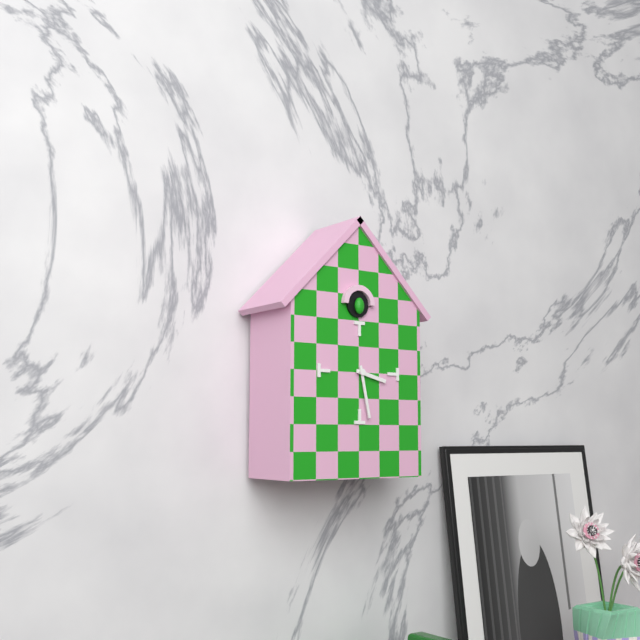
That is h=3 m=28
